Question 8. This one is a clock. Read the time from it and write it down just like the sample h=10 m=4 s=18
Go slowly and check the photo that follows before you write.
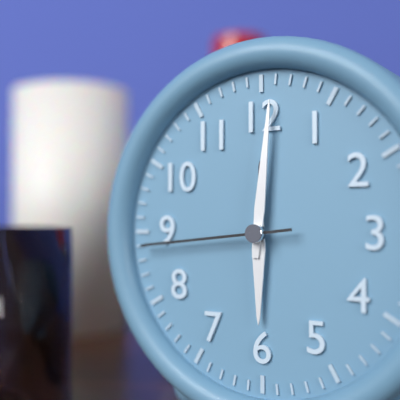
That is h=6 m=1 s=44
